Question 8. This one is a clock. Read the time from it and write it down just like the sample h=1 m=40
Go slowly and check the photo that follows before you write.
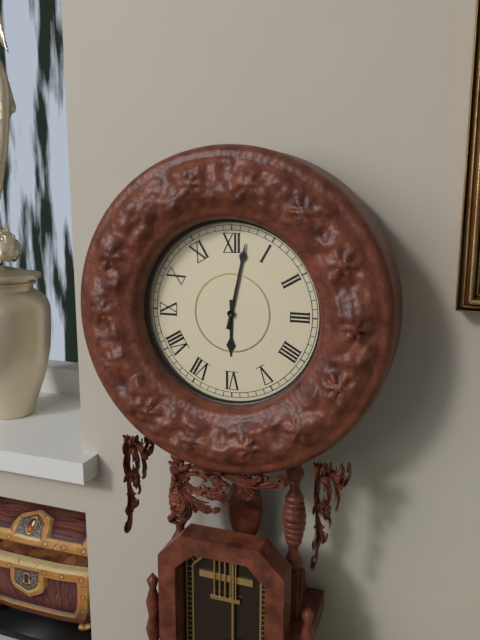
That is h=6 m=2
